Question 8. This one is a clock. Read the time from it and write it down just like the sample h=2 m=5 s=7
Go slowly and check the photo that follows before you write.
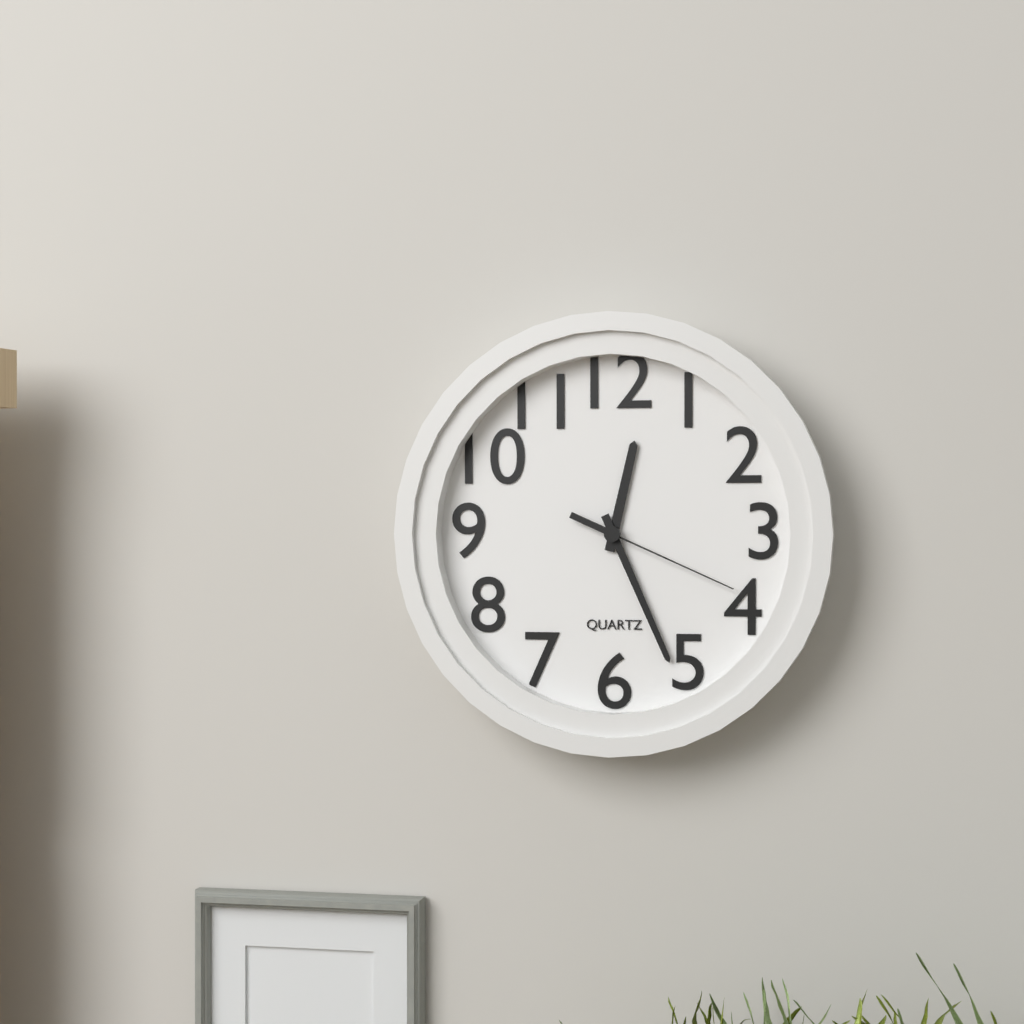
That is h=12 m=26 s=19
